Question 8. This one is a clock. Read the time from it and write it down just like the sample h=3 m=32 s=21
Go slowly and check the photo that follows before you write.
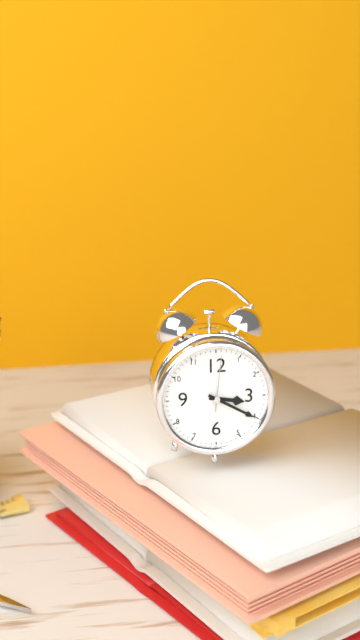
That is h=3 m=20 s=1
